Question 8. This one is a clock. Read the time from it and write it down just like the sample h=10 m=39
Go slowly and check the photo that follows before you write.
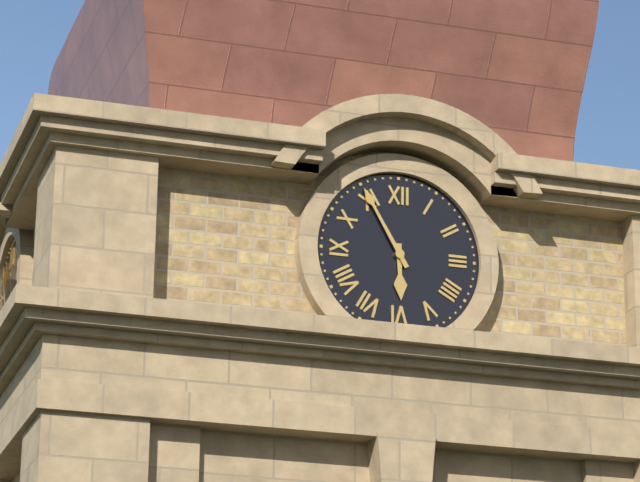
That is h=5 m=55
